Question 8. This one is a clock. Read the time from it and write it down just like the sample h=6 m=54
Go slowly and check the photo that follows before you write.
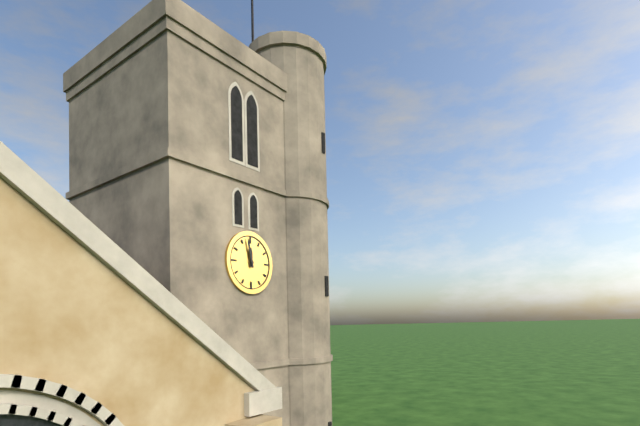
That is h=11 m=58
